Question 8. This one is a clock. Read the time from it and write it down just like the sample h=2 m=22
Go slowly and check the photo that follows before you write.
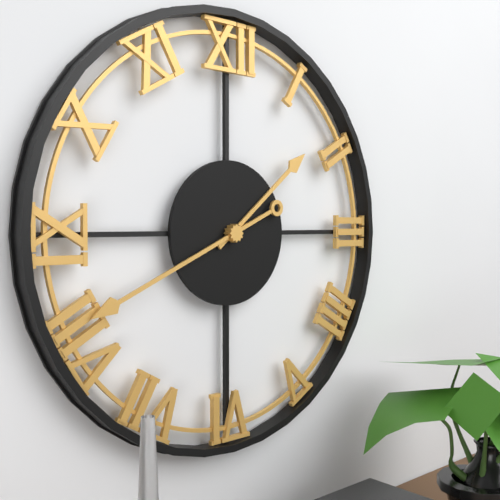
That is h=1 m=41
